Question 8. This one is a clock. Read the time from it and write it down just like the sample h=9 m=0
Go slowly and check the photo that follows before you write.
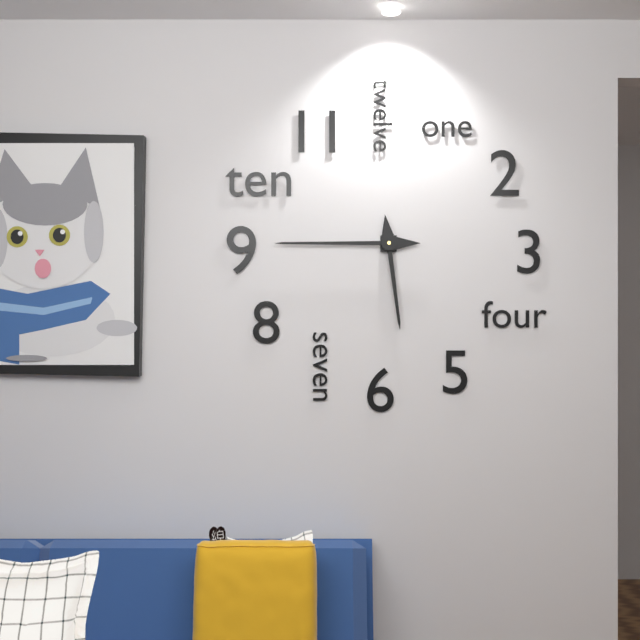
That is h=5 m=45
